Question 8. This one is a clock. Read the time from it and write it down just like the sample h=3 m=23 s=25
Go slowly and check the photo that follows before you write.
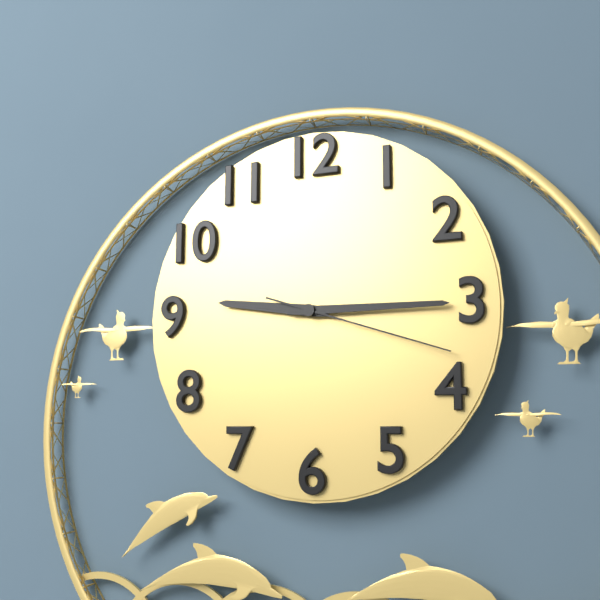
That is h=9 m=15 s=18
